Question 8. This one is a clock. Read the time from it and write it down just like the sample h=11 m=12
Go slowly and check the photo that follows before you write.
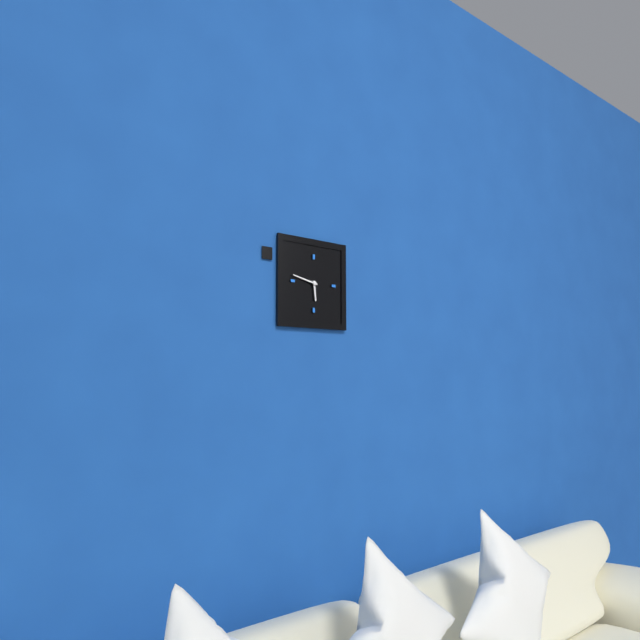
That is h=5 m=47
